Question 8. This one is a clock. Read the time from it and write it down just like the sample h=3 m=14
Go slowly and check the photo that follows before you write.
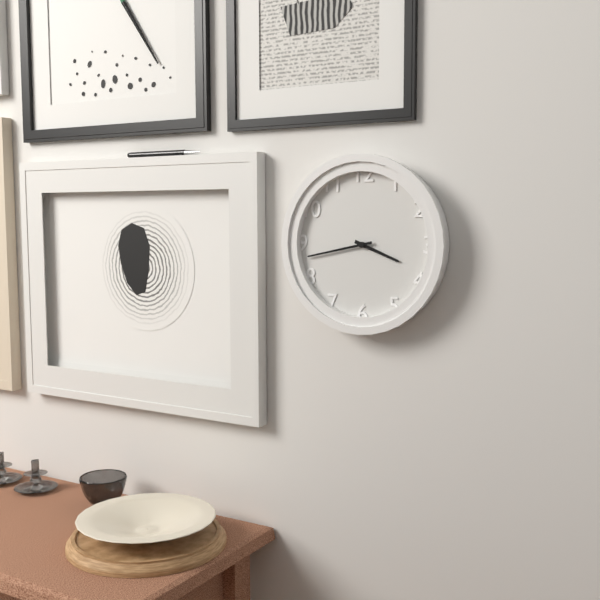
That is h=3 m=43
